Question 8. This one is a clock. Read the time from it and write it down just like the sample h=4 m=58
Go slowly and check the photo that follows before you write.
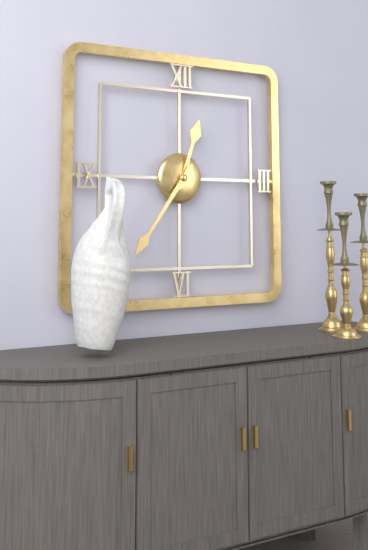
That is h=12 m=36
